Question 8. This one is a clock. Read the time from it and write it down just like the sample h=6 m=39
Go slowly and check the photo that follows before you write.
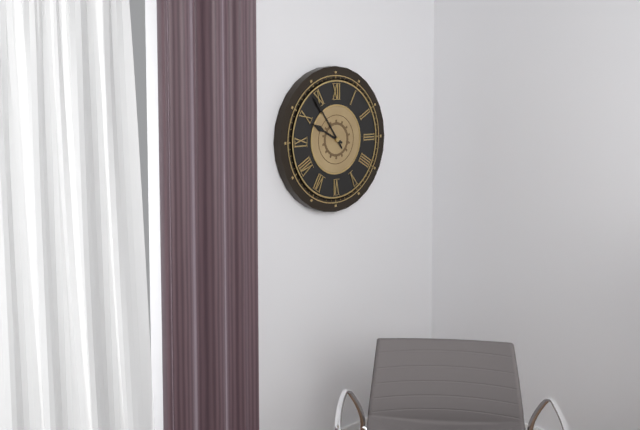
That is h=9 m=54
